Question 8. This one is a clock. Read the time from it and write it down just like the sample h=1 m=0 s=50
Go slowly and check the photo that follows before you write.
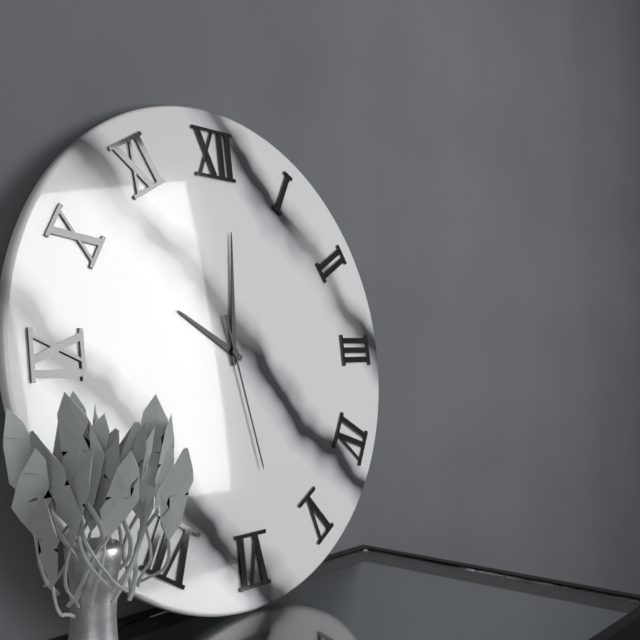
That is h=10 m=1 s=28
